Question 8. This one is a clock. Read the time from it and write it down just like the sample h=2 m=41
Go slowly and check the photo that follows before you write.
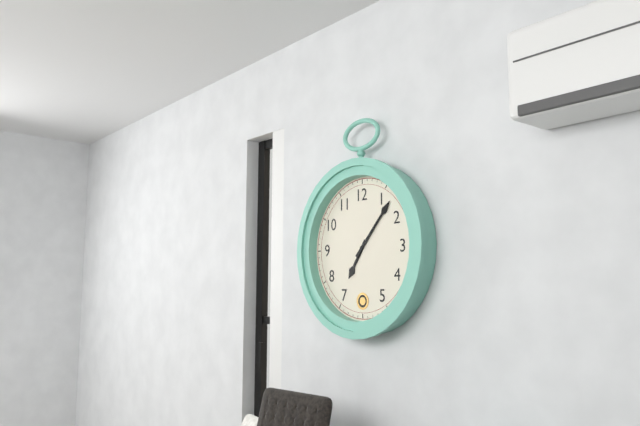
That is h=7 m=7
